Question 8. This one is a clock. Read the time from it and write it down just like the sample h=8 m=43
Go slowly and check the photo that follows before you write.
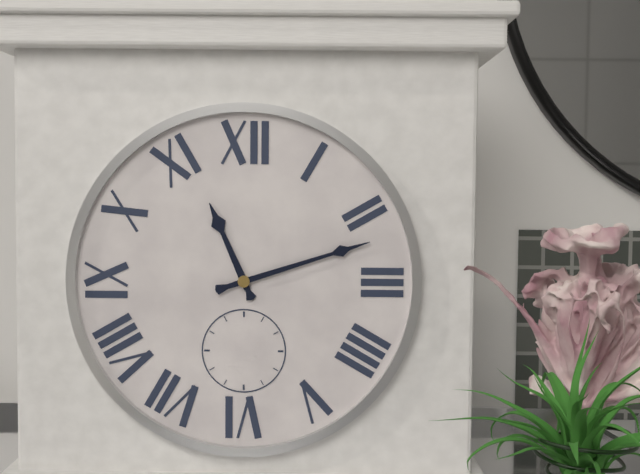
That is h=11 m=12
